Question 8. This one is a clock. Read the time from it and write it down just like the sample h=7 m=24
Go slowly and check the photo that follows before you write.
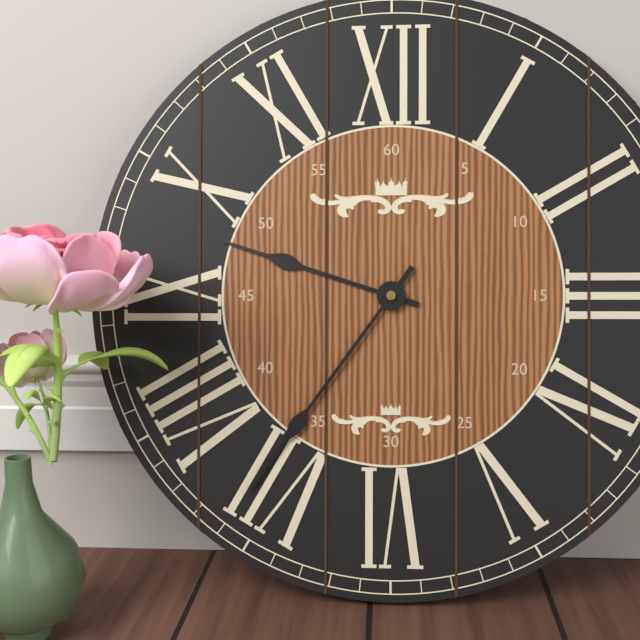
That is h=9 m=36
